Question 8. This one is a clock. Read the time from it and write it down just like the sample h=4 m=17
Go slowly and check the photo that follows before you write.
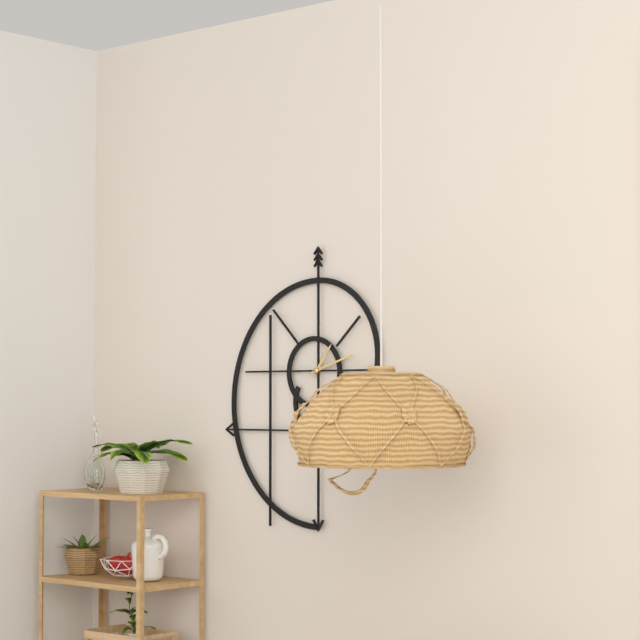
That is h=1 m=12
